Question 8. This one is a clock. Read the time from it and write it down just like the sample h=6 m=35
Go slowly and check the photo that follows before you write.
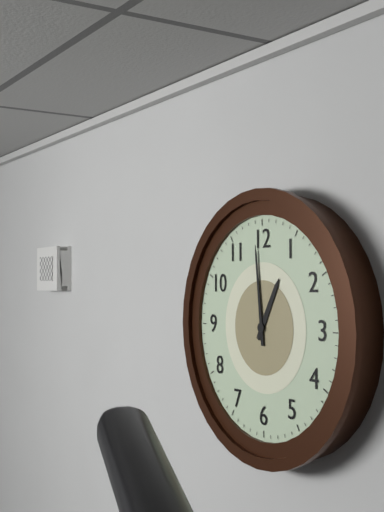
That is h=12 m=59
